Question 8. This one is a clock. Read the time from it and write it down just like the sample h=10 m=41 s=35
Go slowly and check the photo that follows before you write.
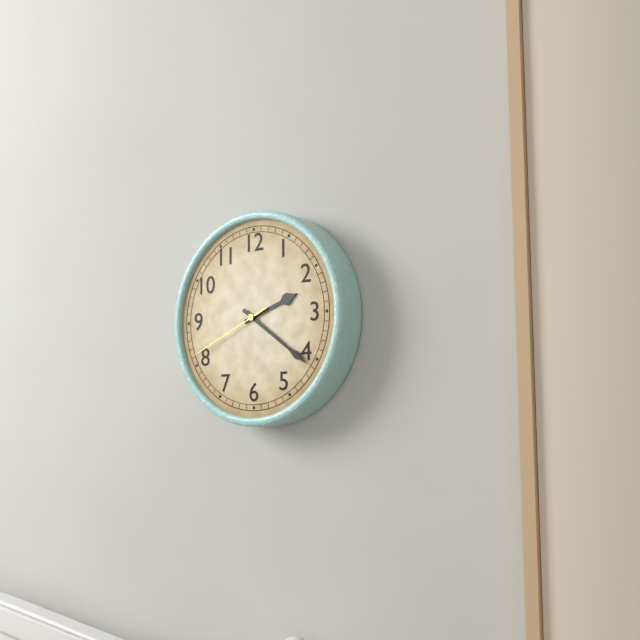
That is h=2 m=21 s=41
